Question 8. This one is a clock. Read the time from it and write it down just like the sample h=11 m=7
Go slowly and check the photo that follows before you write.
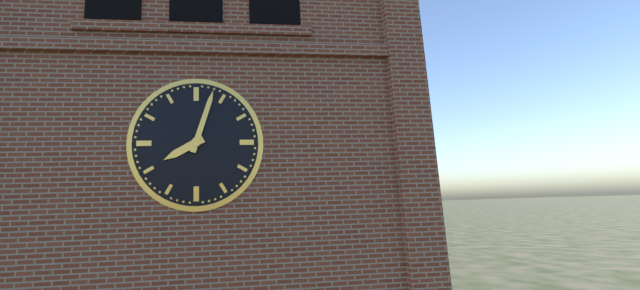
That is h=8 m=3
